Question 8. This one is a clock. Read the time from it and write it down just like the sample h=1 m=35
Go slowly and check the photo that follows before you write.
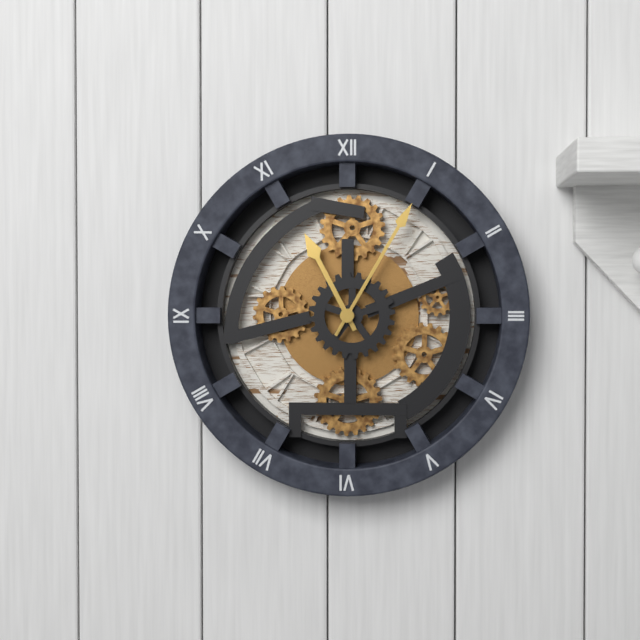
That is h=11 m=5
